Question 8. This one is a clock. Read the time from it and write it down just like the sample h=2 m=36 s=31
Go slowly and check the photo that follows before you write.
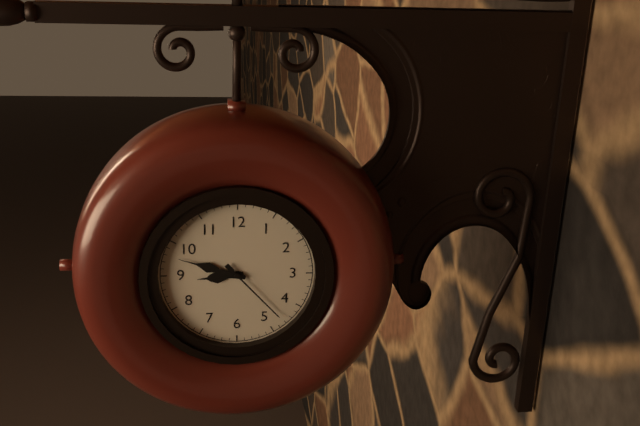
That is h=8 m=48 s=23
